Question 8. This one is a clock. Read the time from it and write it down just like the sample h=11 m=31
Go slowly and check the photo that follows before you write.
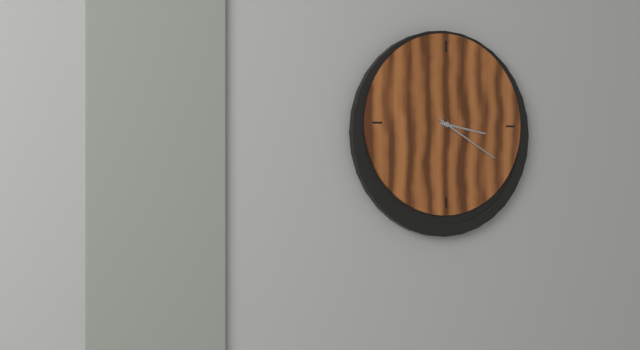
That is h=3 m=20
